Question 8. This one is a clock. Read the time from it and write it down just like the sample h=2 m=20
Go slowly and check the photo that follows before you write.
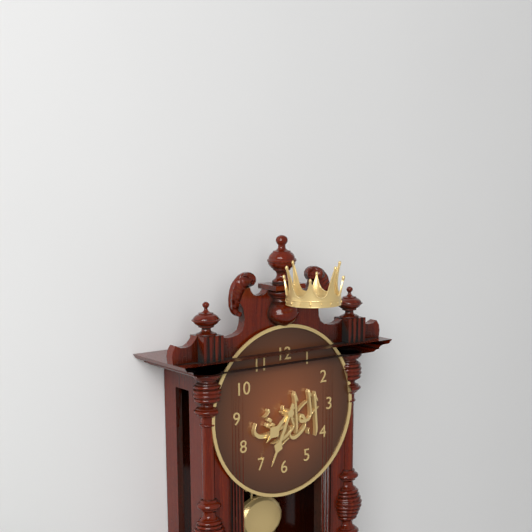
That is h=7 m=34
